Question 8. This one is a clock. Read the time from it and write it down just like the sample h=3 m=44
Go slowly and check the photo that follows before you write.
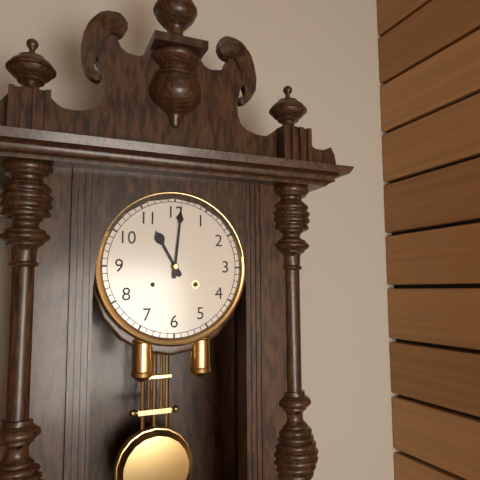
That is h=11 m=1
